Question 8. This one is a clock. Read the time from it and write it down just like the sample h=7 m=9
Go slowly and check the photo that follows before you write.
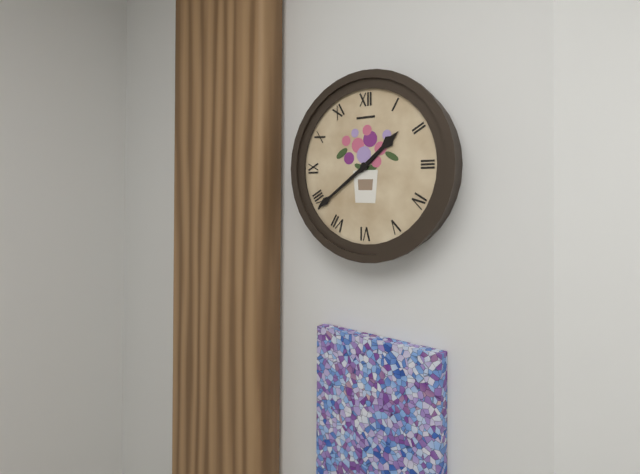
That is h=1 m=39
